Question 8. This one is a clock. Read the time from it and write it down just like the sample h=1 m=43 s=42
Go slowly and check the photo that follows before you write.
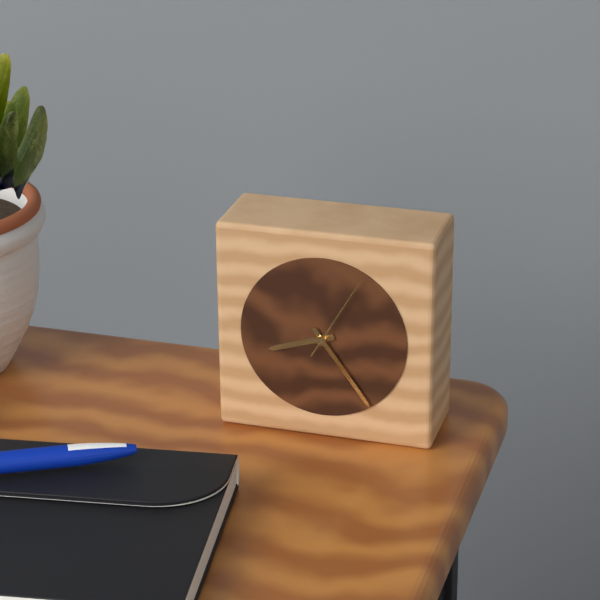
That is h=8 m=24 s=5
